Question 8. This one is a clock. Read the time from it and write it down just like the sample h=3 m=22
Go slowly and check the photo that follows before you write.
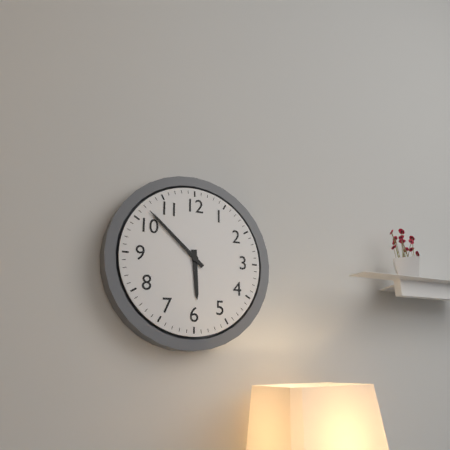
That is h=5 m=52
